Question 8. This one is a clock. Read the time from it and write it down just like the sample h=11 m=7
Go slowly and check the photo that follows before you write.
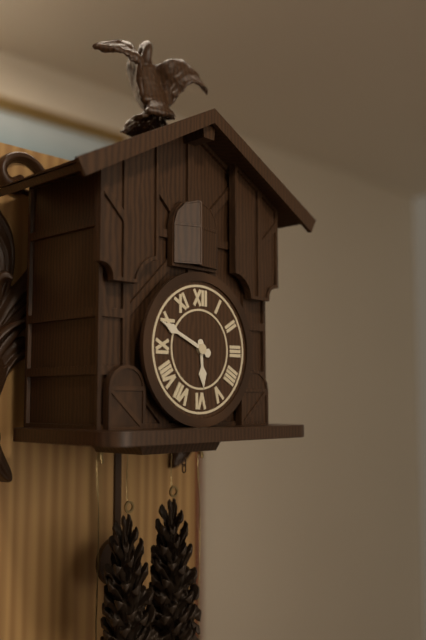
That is h=5 m=49
